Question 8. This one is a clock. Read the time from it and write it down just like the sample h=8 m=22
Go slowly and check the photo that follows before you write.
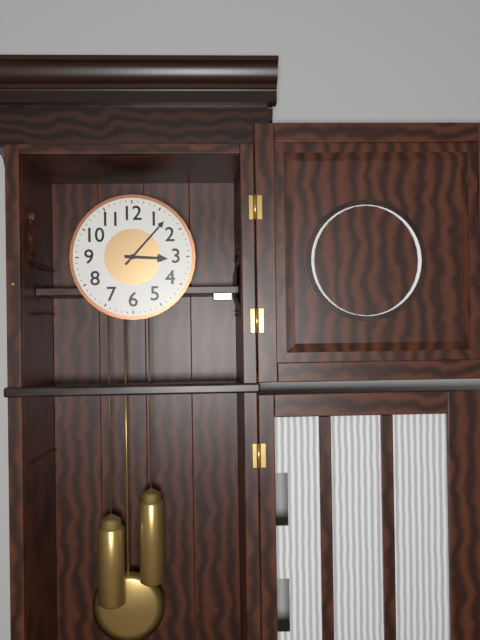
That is h=3 m=7
